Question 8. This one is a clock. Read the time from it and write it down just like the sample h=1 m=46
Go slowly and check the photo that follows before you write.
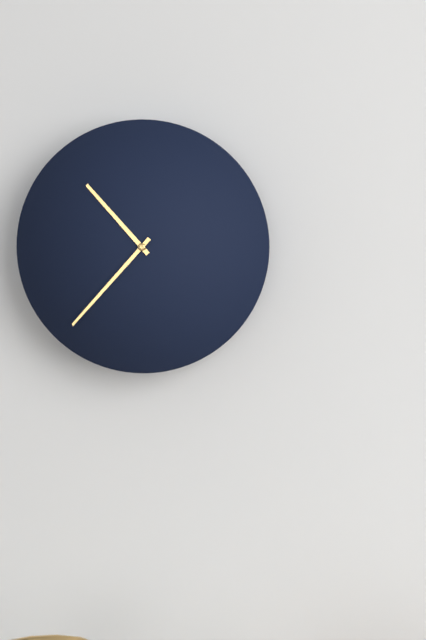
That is h=10 m=37
